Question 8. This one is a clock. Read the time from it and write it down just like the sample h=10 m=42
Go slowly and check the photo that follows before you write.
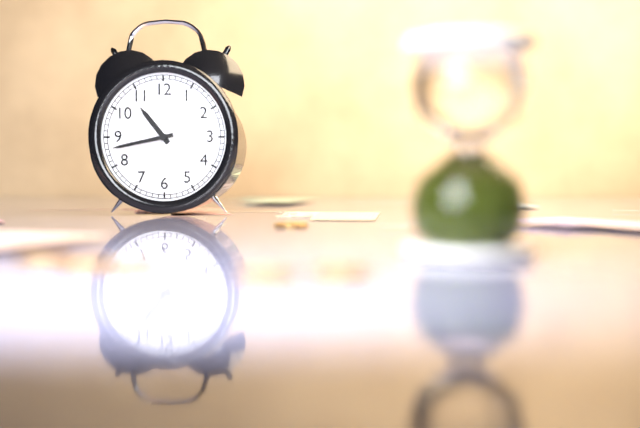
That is h=10 m=43
